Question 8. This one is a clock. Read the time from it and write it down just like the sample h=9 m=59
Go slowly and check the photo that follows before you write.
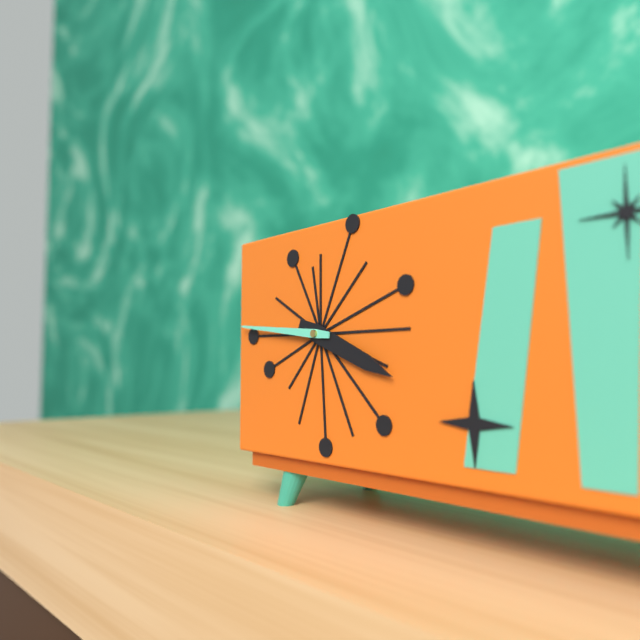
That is h=3 m=46
